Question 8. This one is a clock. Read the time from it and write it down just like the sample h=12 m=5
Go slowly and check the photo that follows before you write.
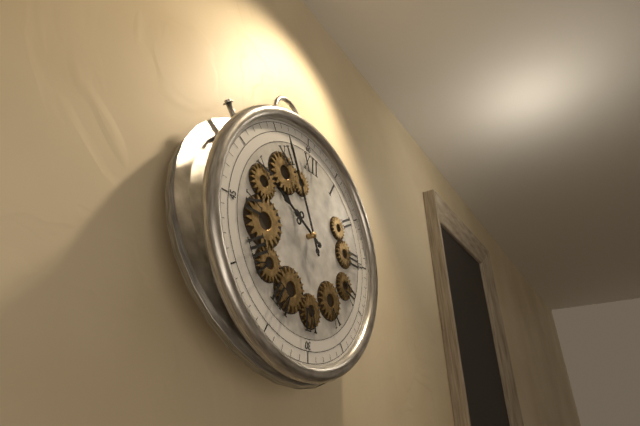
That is h=9 m=56
